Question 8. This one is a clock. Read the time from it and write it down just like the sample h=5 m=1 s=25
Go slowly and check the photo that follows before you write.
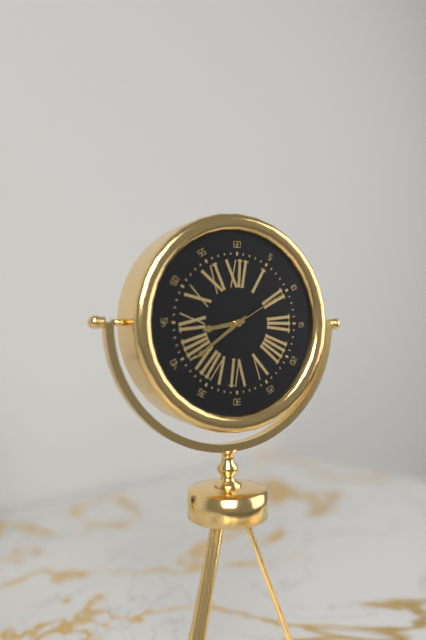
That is h=8 m=39 s=10
